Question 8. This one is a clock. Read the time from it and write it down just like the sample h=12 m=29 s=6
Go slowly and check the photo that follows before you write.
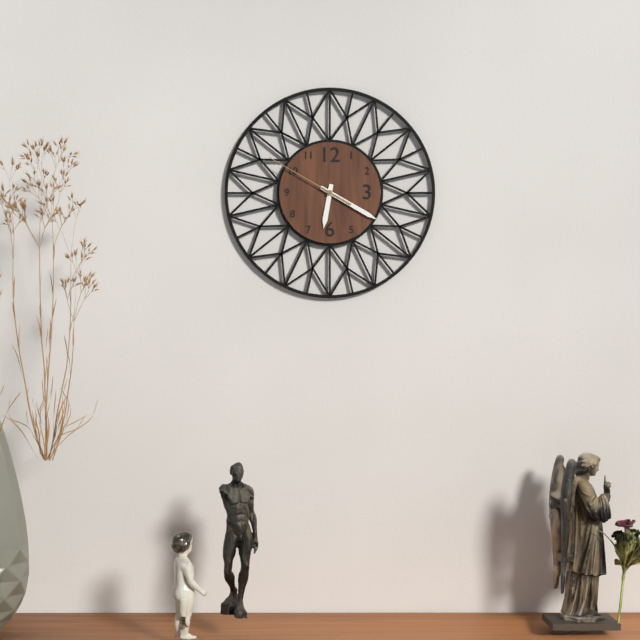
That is h=6 m=20 s=50
